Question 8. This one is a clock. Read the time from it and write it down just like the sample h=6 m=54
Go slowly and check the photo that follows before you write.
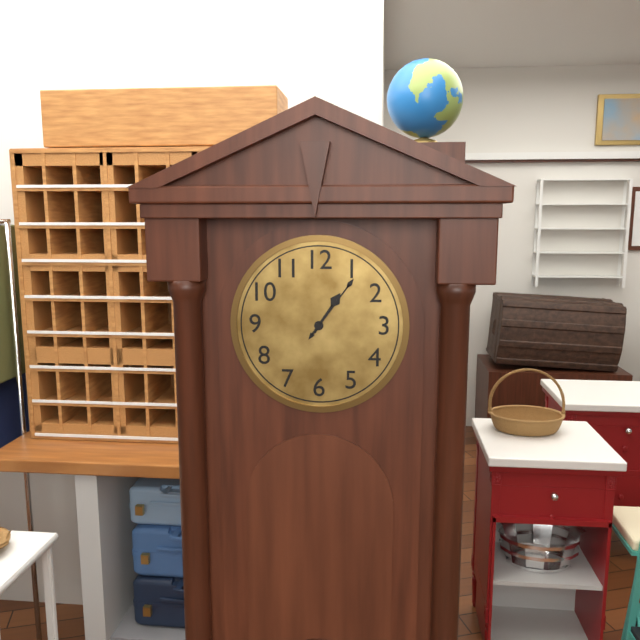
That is h=1 m=6
